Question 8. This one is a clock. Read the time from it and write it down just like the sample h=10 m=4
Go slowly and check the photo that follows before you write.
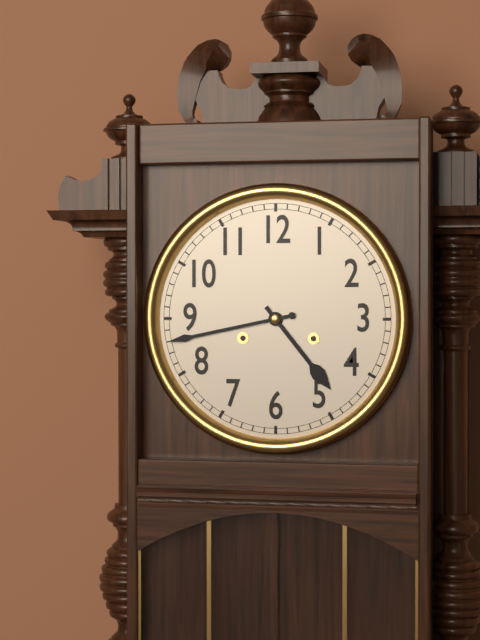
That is h=4 m=43
